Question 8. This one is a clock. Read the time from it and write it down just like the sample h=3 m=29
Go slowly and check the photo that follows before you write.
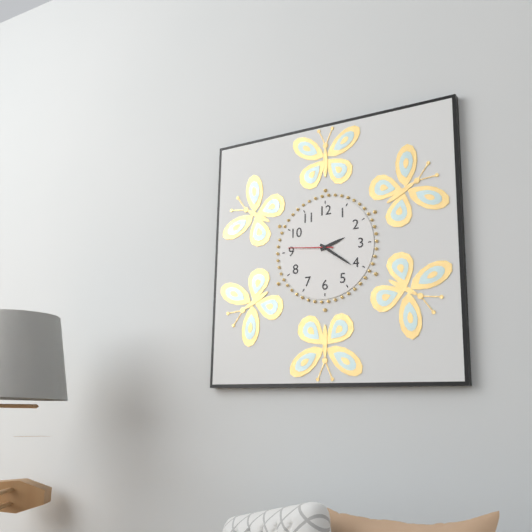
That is h=2 m=21
